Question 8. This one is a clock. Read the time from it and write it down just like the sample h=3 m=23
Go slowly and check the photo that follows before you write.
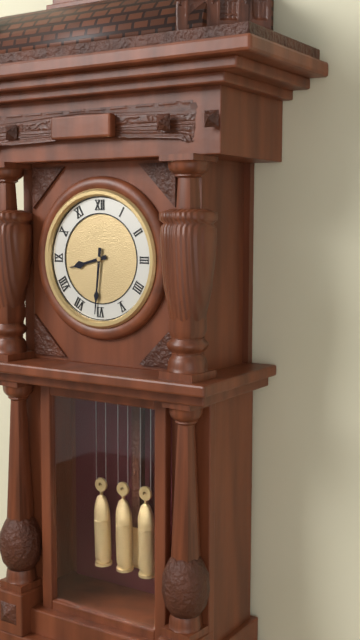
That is h=8 m=31
